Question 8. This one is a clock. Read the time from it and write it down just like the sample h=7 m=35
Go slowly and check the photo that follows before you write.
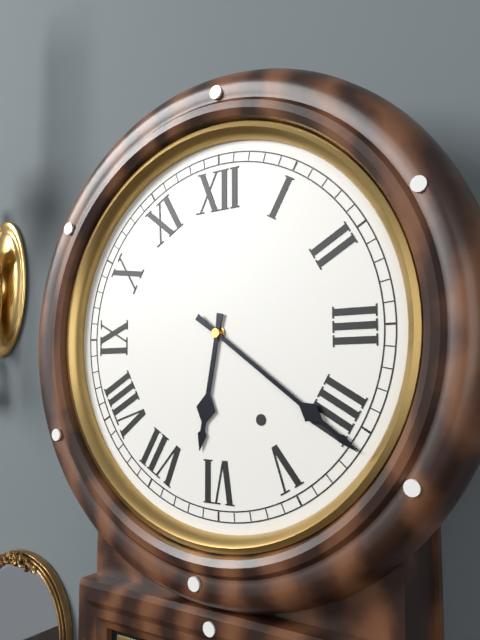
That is h=6 m=21
